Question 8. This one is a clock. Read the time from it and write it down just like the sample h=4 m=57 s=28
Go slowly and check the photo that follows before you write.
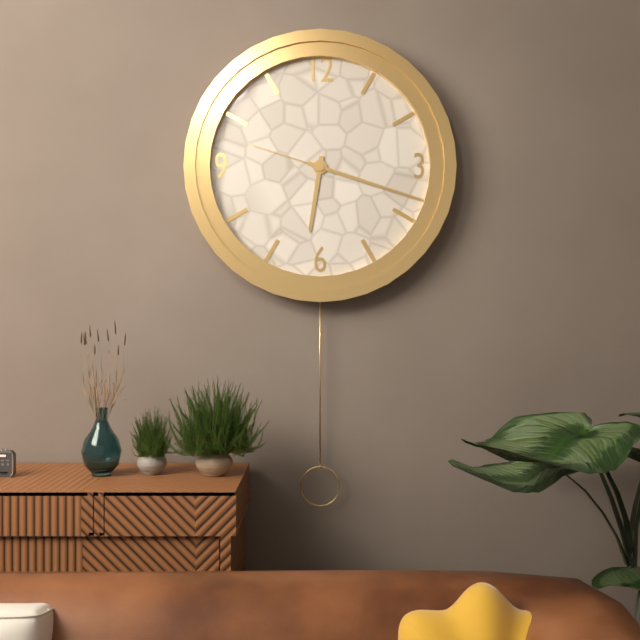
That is h=6 m=18 s=48
